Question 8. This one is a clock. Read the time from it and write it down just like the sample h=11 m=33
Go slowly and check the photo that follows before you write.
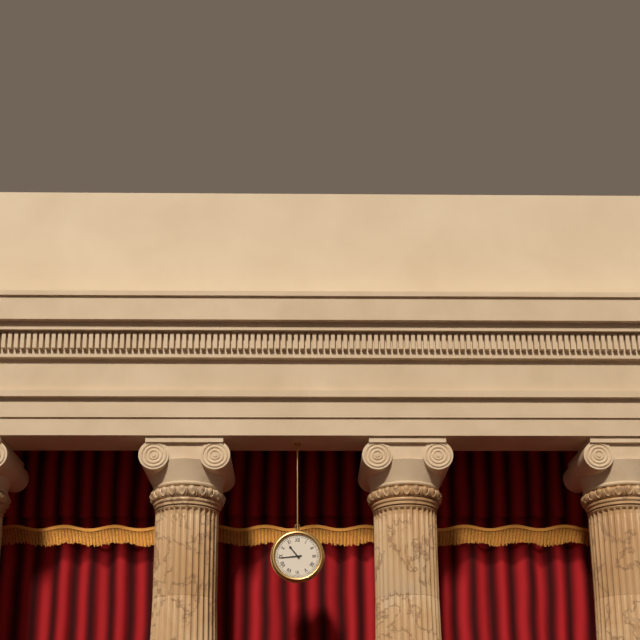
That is h=10 m=44
